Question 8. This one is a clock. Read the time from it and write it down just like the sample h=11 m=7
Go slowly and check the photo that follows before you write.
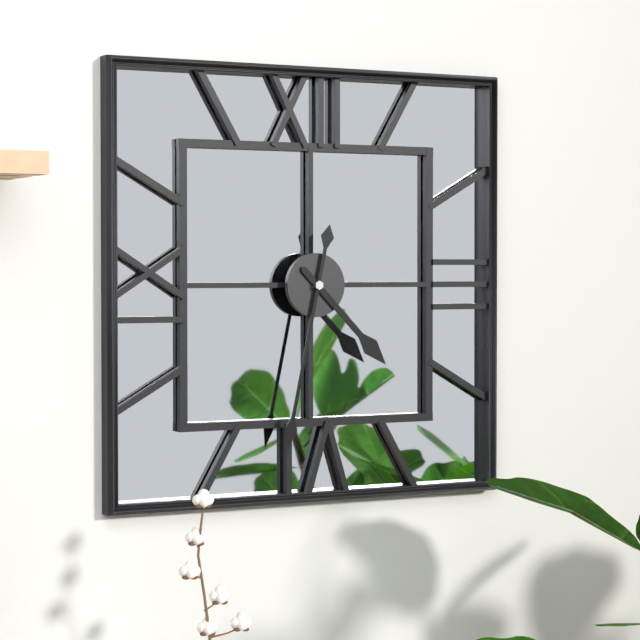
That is h=4 m=32
